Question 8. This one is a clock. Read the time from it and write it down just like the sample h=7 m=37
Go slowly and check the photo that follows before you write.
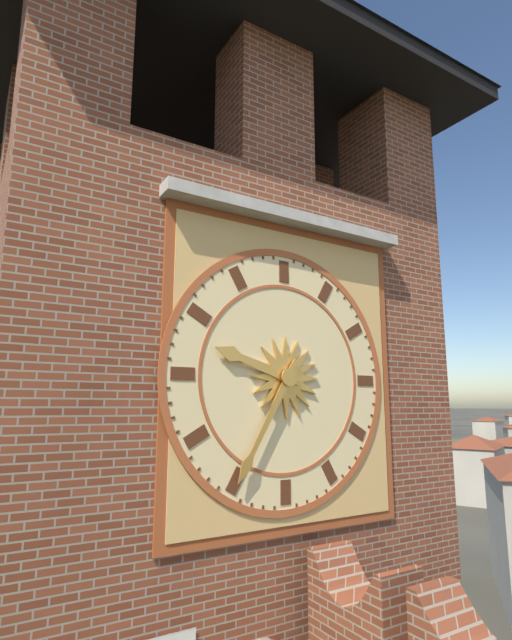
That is h=9 m=35
